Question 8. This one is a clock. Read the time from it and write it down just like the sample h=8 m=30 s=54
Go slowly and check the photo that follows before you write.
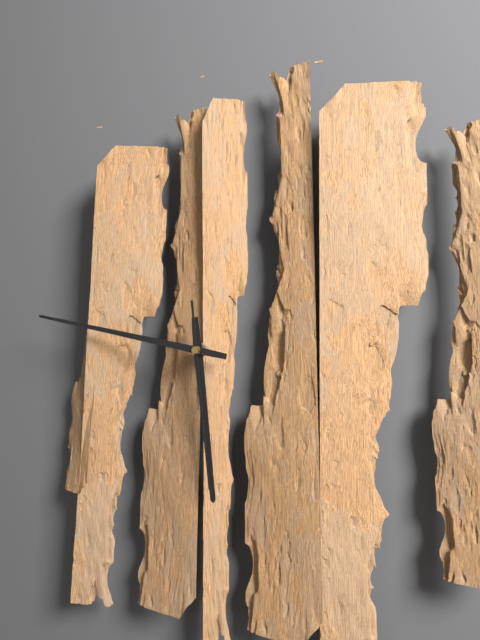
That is h=5 m=47 s=29
